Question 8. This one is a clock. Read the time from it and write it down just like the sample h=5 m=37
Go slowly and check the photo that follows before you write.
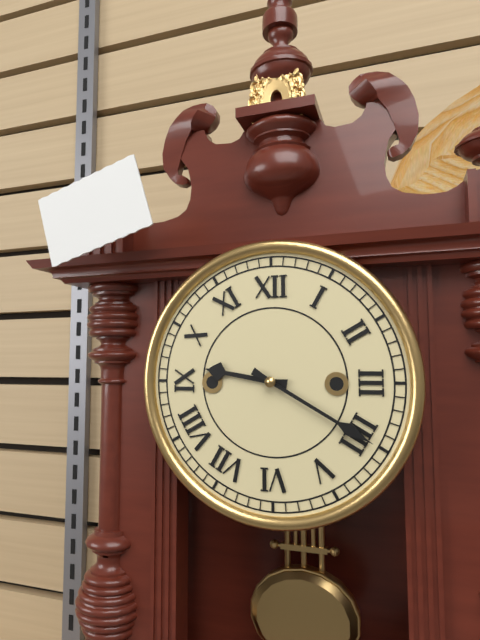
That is h=9 m=20
